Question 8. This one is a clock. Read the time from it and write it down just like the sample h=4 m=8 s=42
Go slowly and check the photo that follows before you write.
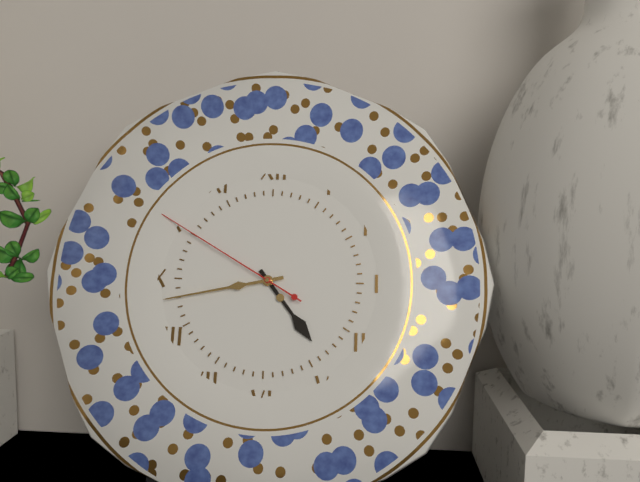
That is h=4 m=43 s=50
